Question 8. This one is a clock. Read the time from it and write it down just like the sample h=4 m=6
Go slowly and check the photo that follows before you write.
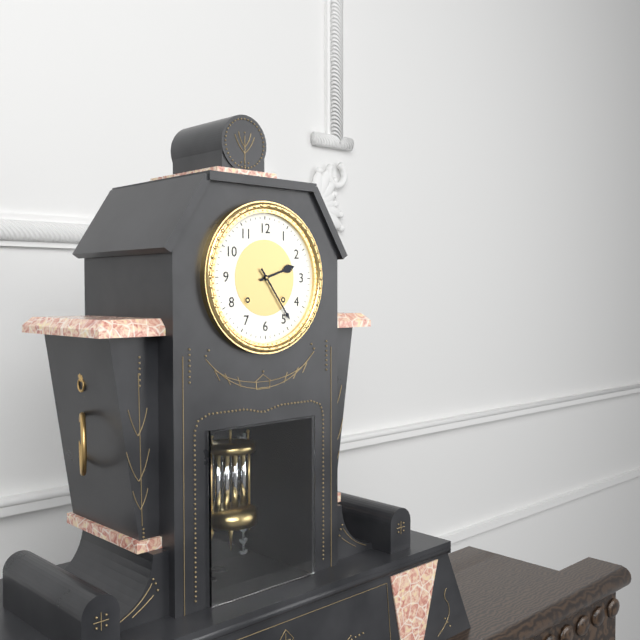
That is h=2 m=24
